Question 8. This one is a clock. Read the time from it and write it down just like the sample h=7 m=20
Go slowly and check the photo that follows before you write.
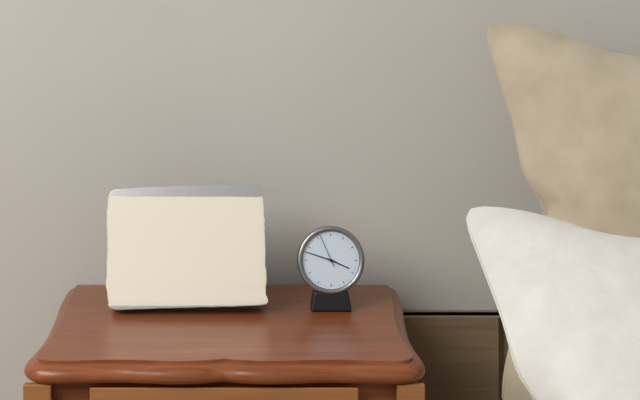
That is h=3 m=48
